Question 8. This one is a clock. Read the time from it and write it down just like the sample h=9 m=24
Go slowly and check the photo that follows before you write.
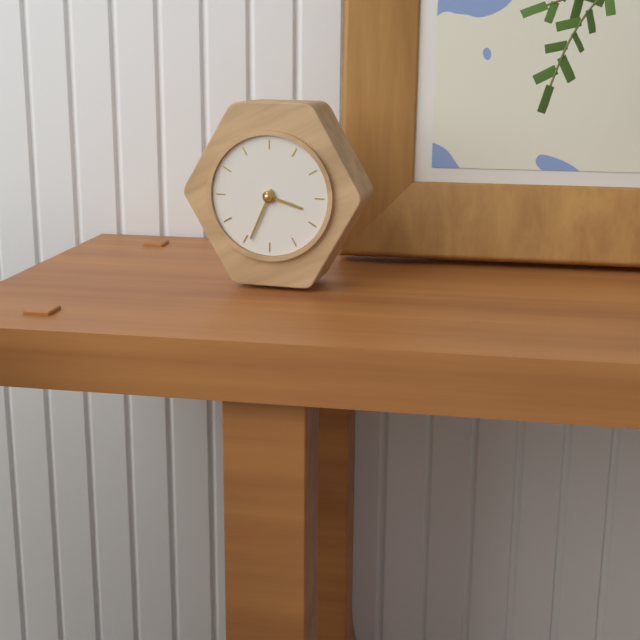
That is h=3 m=34
